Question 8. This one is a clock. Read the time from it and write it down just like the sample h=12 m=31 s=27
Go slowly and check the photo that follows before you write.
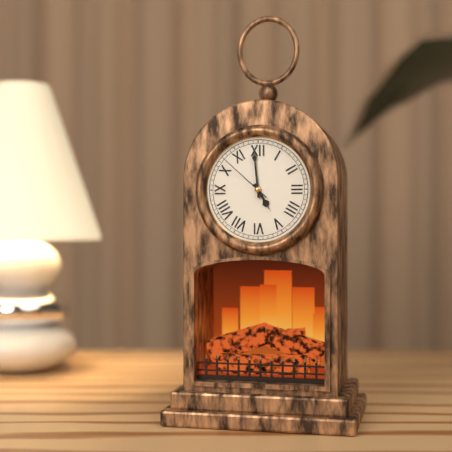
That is h=4 m=59 s=52
